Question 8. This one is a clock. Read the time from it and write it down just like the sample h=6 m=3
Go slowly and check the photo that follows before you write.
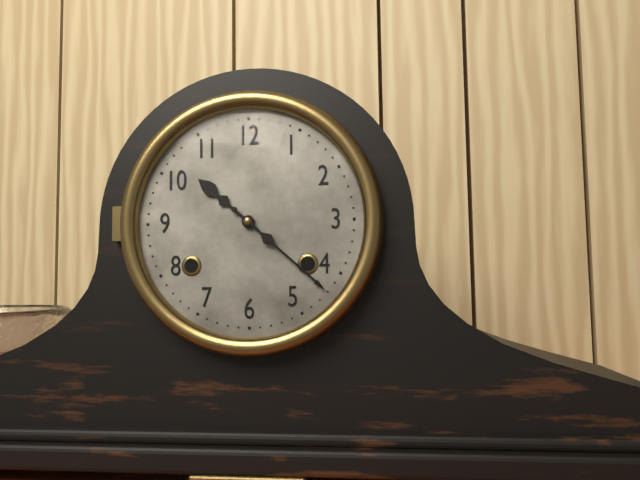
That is h=10 m=22
